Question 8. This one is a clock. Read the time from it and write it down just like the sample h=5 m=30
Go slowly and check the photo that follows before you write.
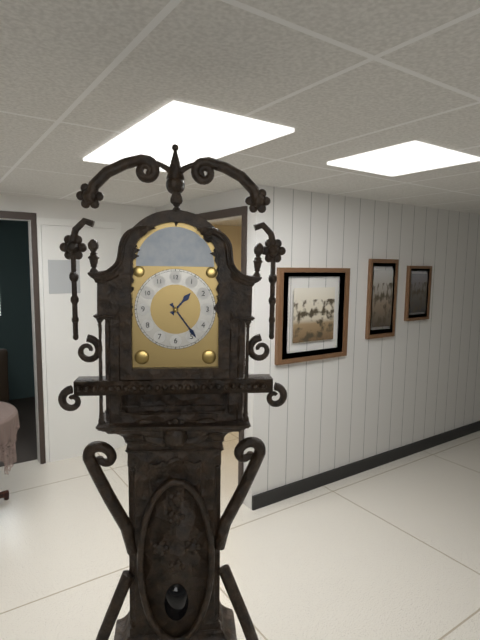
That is h=1 m=24
